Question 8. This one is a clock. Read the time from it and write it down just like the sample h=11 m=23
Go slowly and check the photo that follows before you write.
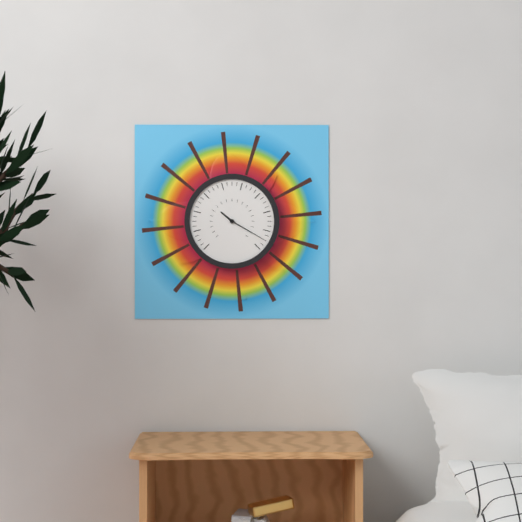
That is h=10 m=20
